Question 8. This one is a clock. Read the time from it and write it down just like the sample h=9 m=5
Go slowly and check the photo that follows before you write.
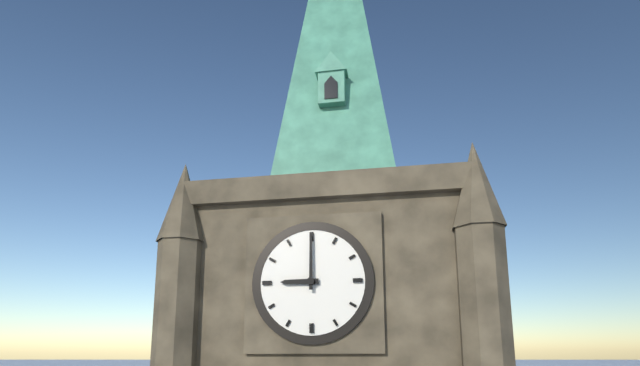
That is h=9 m=0
